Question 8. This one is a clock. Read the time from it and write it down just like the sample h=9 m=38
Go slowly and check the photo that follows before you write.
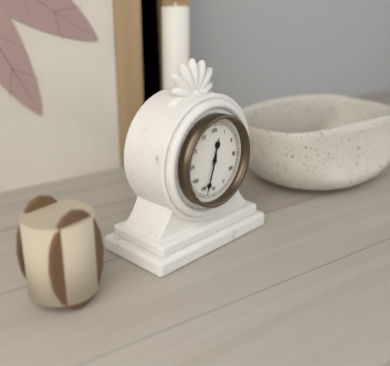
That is h=12 m=33
